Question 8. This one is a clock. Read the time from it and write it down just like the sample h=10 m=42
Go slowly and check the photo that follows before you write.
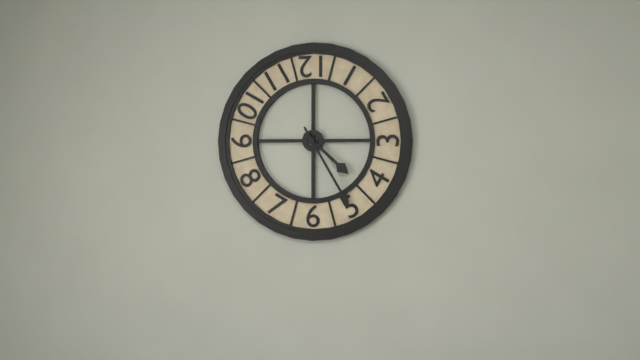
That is h=4 m=25
